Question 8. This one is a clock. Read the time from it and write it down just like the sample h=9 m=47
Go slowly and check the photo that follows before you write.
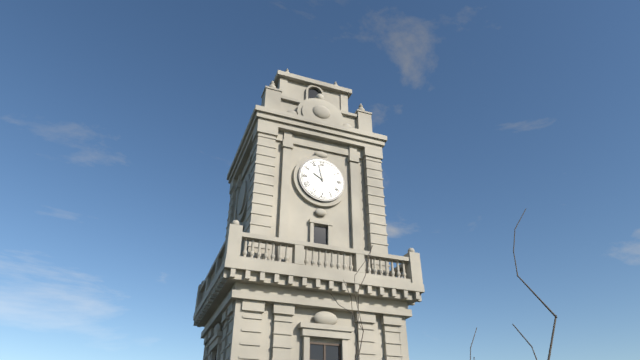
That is h=9 m=58
